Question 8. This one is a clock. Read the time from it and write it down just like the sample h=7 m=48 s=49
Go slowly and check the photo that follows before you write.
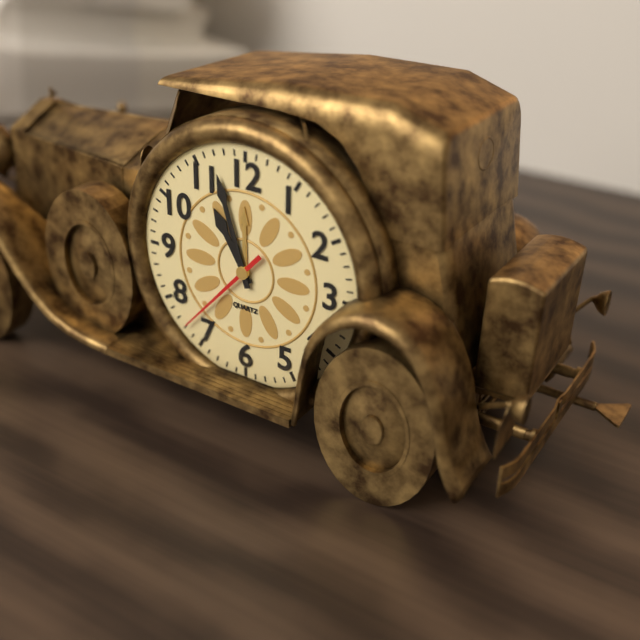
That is h=10 m=57 s=37
